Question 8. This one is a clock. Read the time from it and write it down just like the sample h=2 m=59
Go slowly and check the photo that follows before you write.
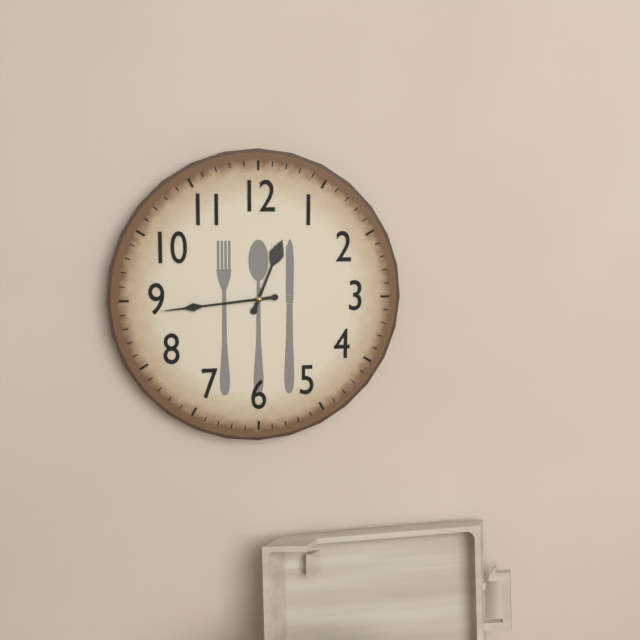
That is h=12 m=44
